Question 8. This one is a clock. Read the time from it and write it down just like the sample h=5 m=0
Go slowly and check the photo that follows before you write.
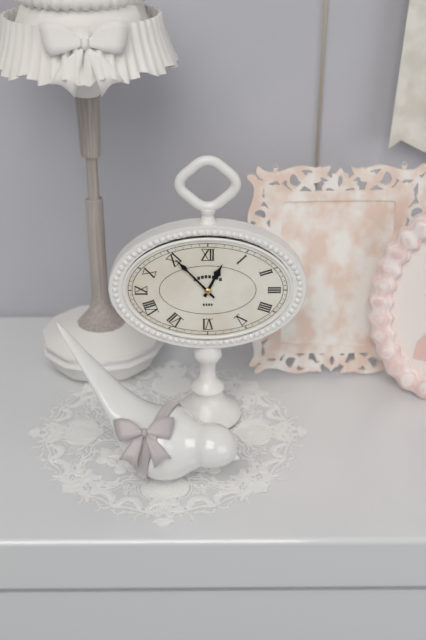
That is h=12 m=53
